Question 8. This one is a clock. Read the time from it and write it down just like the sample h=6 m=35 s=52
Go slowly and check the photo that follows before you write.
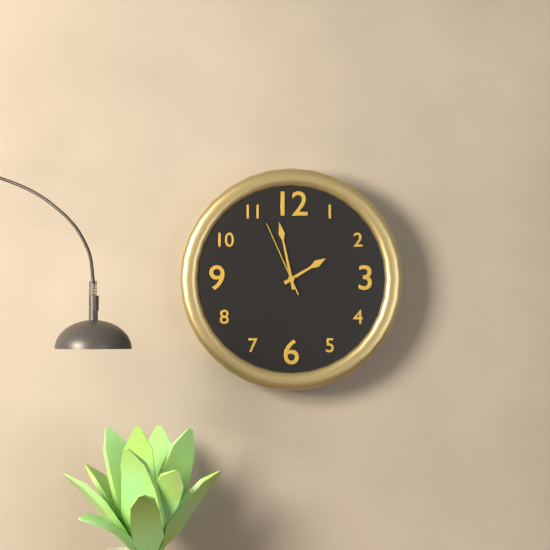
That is h=1 m=58 s=56
